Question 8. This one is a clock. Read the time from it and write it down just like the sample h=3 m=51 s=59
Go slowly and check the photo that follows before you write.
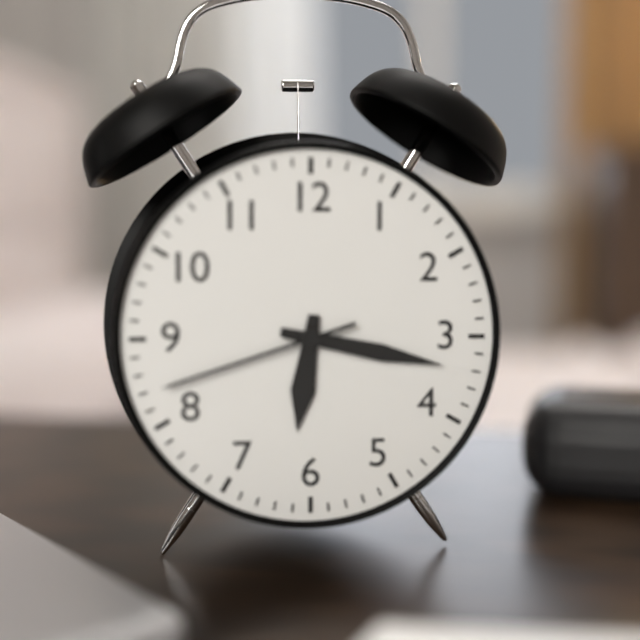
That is h=6 m=17 s=42
